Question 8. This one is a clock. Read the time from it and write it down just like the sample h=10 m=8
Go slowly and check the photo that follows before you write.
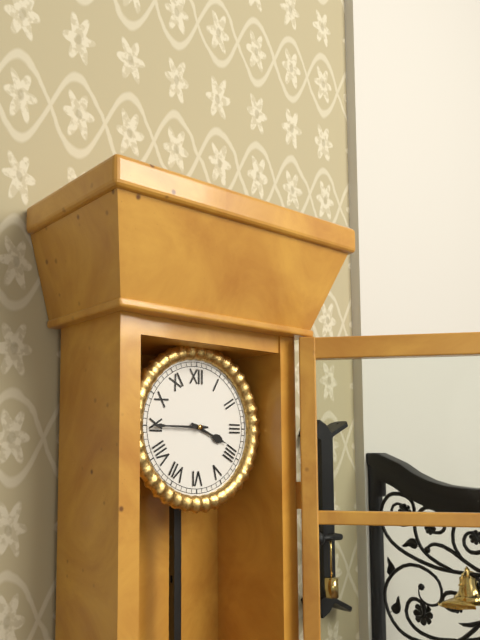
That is h=3 m=45
